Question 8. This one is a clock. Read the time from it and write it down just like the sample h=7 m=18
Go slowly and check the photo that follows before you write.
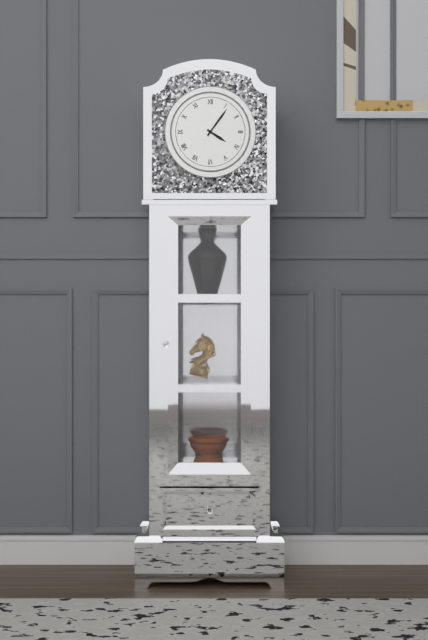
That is h=4 m=6
